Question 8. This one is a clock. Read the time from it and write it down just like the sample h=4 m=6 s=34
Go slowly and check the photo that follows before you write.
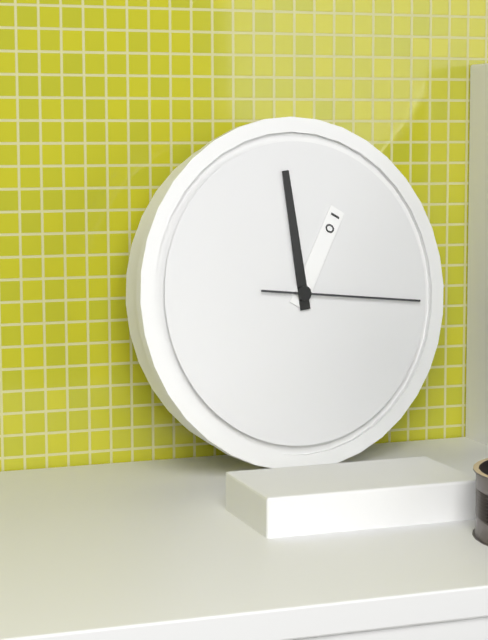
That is h=12 m=59 s=16
